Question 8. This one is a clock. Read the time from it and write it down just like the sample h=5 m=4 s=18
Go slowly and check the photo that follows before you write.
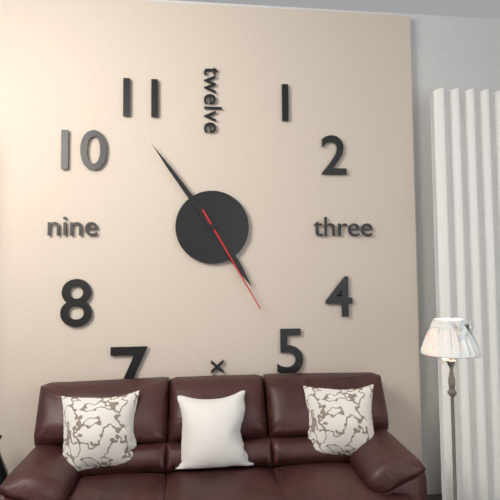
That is h=4 m=54 s=25
